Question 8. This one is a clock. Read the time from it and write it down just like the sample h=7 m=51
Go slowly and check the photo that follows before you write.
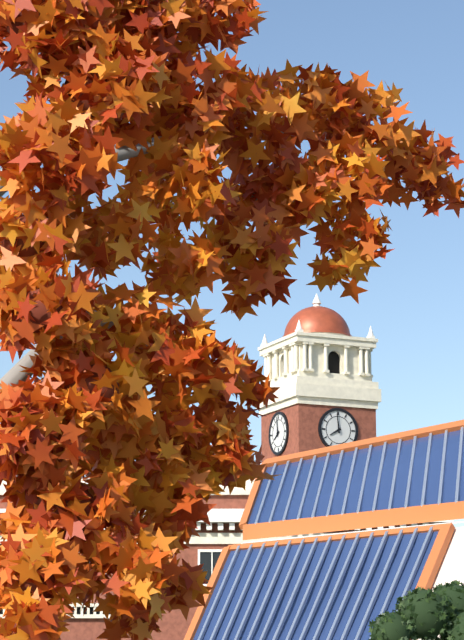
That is h=7 m=59
